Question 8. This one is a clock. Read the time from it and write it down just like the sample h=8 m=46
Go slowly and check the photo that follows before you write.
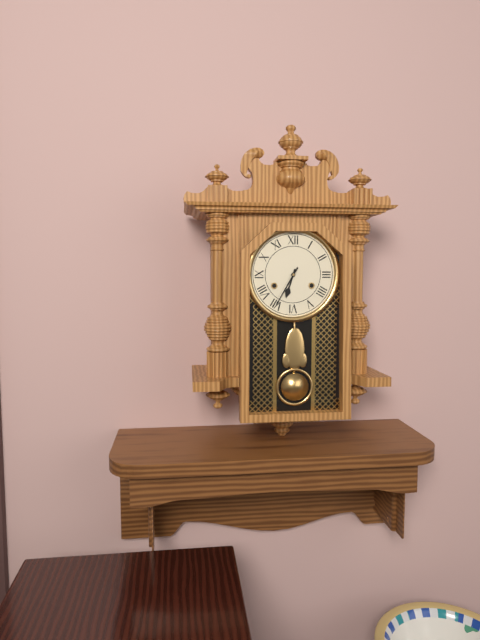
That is h=6 m=35
